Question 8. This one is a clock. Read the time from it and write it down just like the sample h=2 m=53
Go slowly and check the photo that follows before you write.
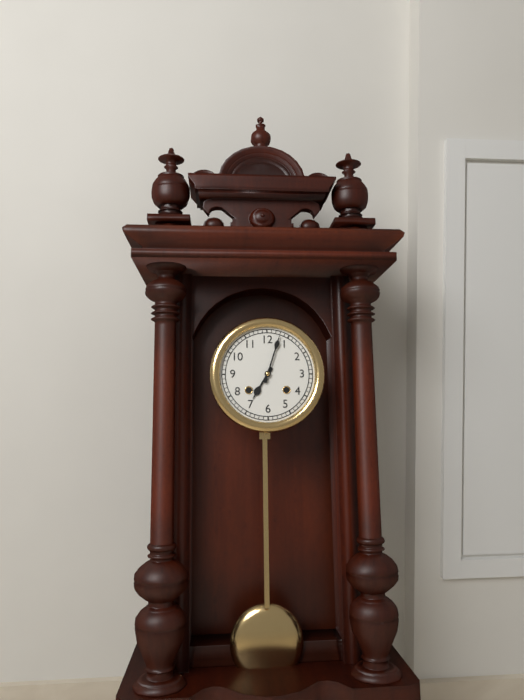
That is h=7 m=3
